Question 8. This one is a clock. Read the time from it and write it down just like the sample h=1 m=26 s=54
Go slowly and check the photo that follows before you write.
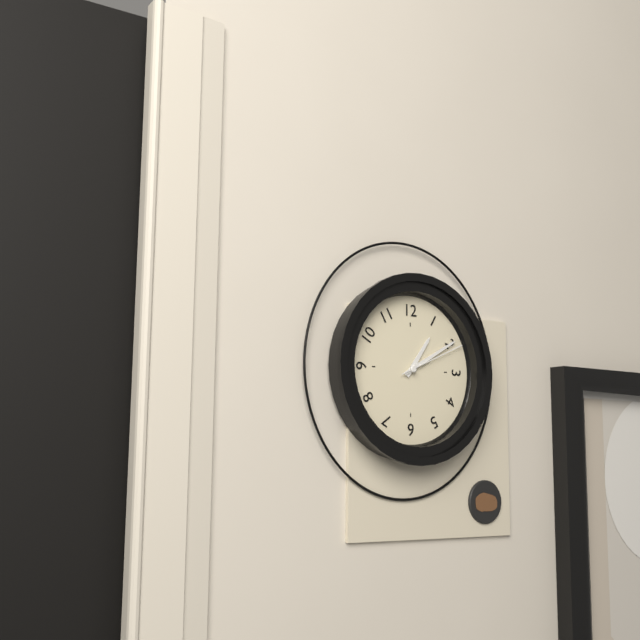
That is h=1 m=10 s=11
